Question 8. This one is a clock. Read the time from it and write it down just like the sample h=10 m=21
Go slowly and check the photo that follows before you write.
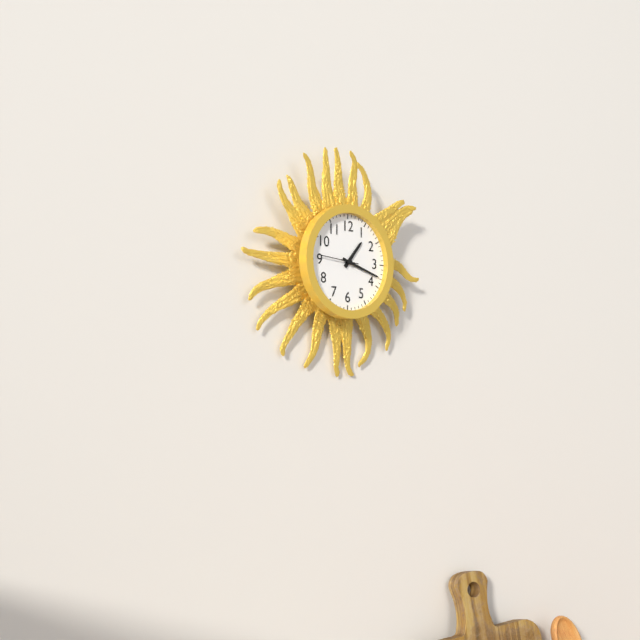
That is h=1 m=18
